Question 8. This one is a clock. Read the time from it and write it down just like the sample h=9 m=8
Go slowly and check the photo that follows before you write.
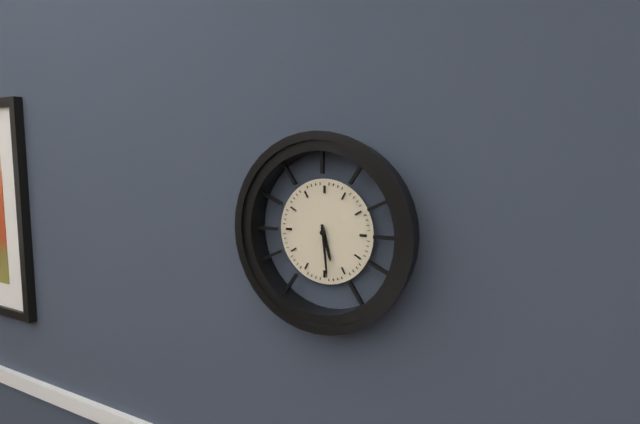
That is h=5 m=29
